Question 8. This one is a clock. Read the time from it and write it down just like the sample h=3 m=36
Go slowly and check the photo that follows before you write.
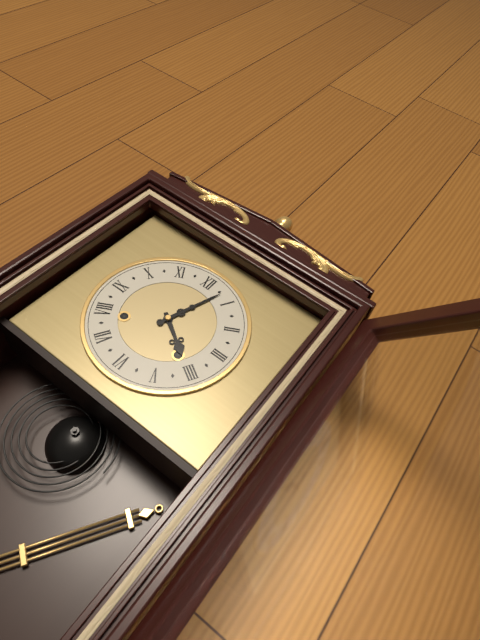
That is h=4 m=3
